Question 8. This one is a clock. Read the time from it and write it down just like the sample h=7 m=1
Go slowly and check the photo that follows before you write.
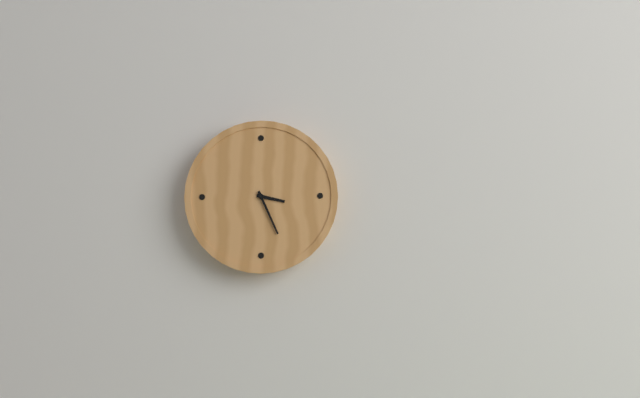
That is h=3 m=26
